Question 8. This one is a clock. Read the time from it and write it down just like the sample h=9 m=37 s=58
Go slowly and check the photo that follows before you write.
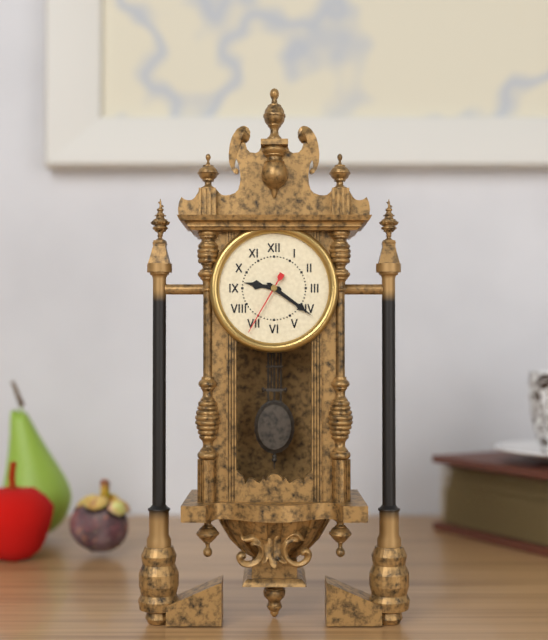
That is h=9 m=21 s=35
